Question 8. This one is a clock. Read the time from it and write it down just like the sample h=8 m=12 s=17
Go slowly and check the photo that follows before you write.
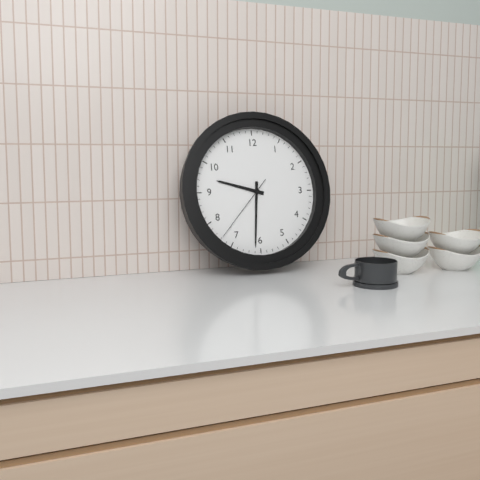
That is h=9 m=31 s=37
